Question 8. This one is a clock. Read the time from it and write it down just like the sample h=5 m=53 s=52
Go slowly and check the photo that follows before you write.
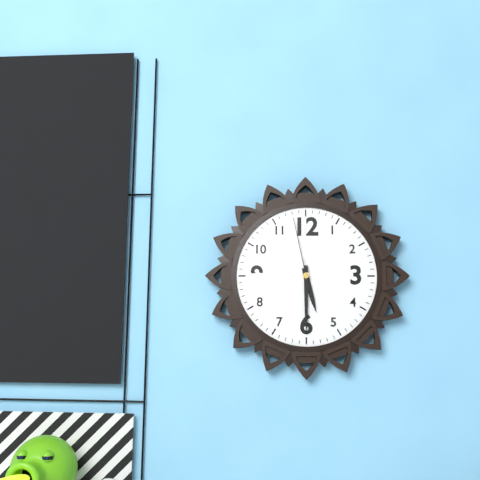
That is h=5 m=30 s=58
